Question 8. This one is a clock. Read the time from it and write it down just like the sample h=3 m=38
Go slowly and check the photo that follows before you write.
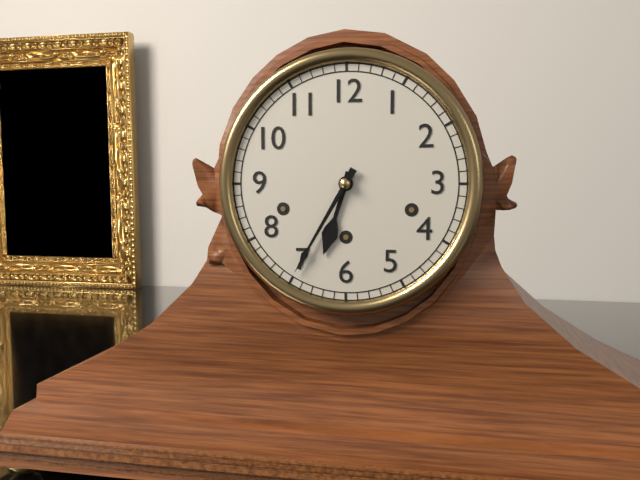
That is h=6 m=35
